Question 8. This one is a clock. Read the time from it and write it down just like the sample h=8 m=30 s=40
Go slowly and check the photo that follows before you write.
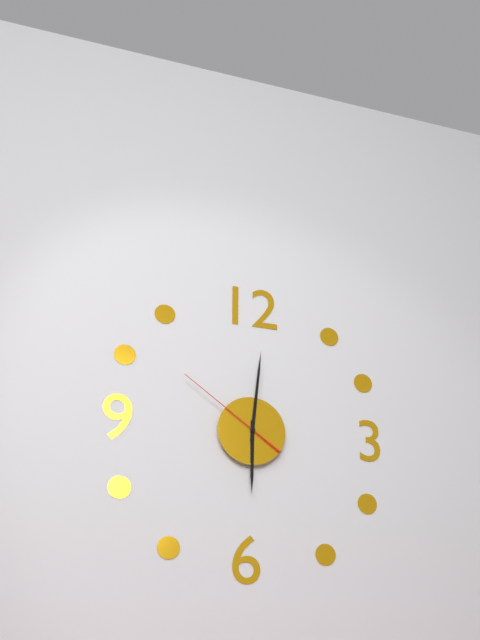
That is h=6 m=1 s=51
